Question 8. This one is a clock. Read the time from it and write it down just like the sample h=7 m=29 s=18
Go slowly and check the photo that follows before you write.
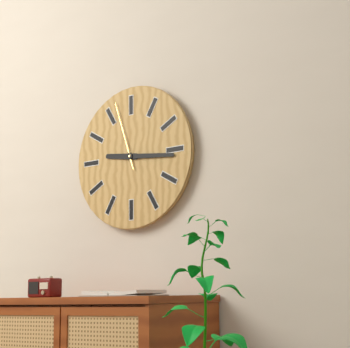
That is h=9 m=16 s=57
